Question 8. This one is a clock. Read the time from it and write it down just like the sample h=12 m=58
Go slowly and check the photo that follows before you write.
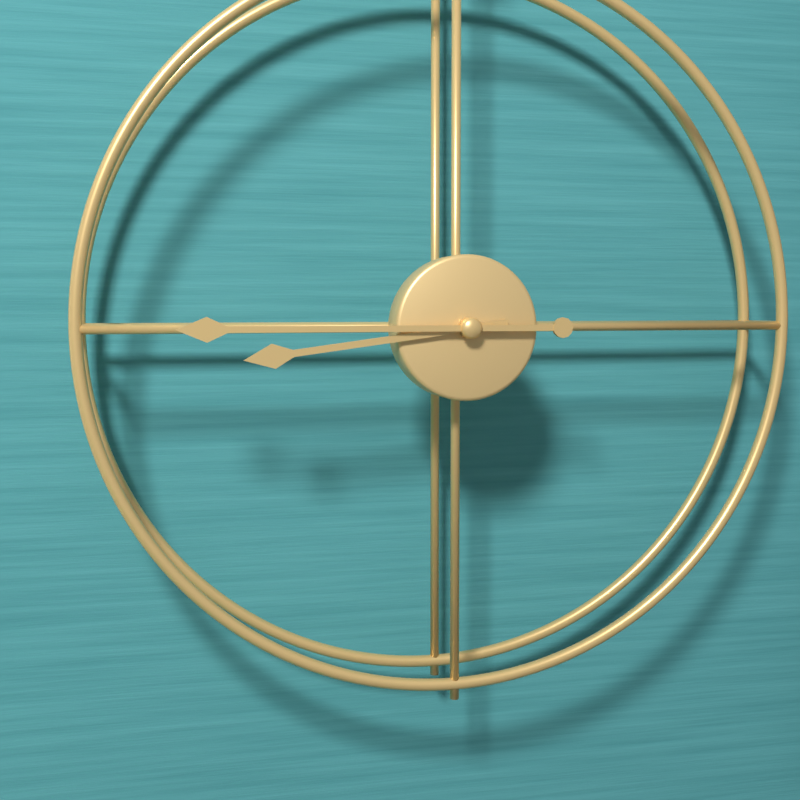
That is h=8 m=45
